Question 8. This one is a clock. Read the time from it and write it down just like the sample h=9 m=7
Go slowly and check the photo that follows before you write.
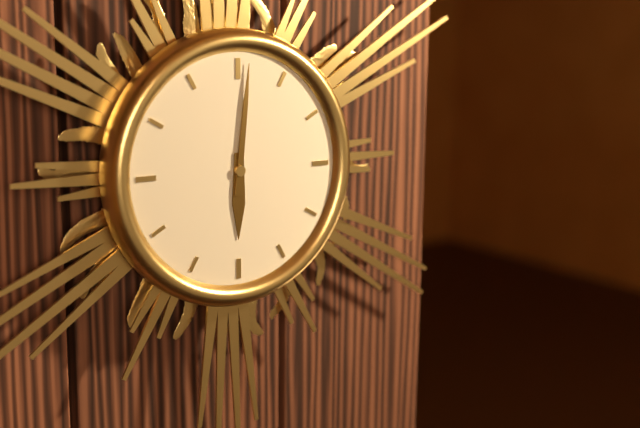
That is h=6 m=1
